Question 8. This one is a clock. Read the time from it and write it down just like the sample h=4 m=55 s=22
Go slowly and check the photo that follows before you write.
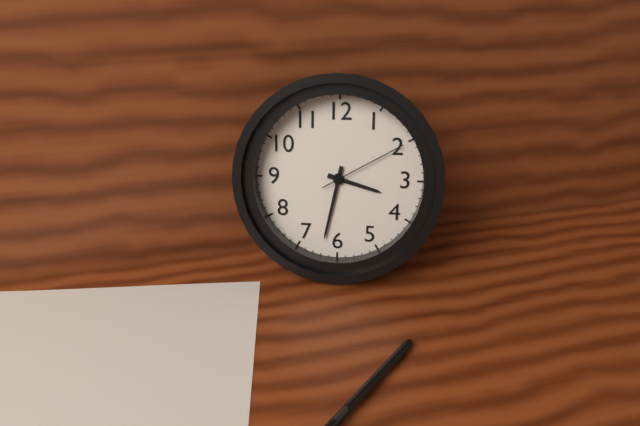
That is h=3 m=32 s=10
